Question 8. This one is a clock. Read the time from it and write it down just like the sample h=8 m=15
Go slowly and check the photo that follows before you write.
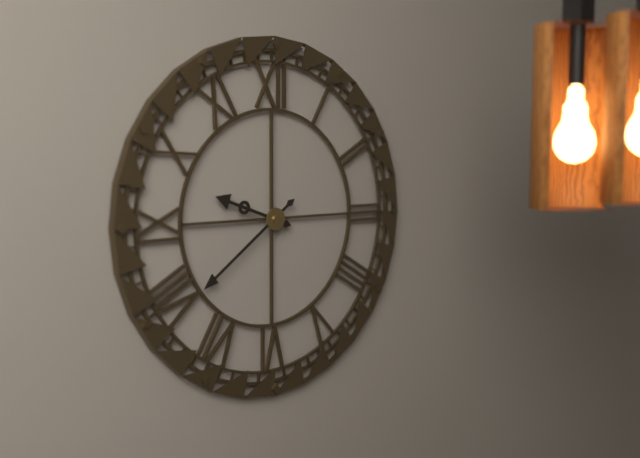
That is h=9 m=39
